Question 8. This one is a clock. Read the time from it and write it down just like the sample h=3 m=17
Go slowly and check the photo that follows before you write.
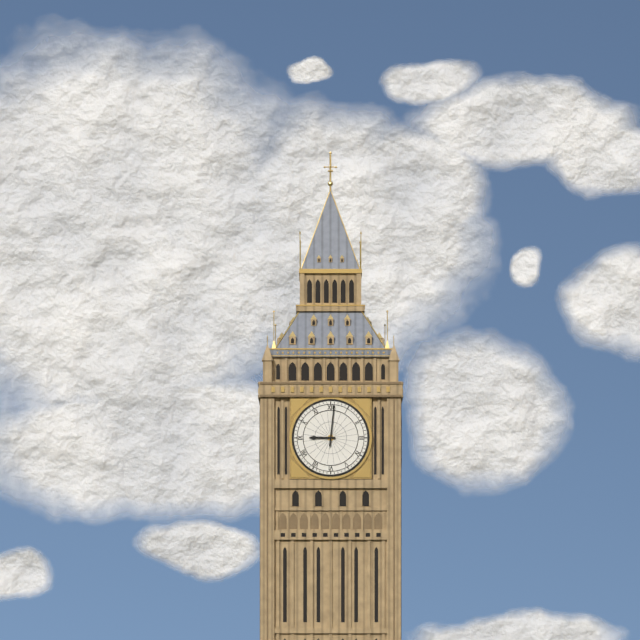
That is h=9 m=1
